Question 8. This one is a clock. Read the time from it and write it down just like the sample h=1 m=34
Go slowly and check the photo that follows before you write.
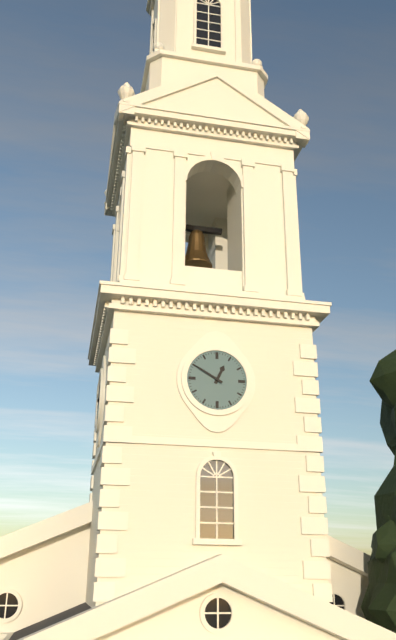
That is h=12 m=50
